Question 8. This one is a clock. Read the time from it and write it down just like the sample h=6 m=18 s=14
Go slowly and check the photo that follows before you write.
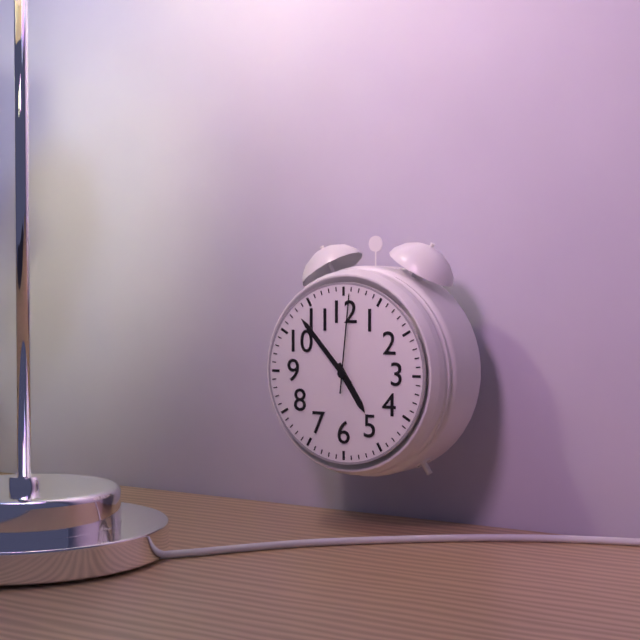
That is h=4 m=53 s=1
